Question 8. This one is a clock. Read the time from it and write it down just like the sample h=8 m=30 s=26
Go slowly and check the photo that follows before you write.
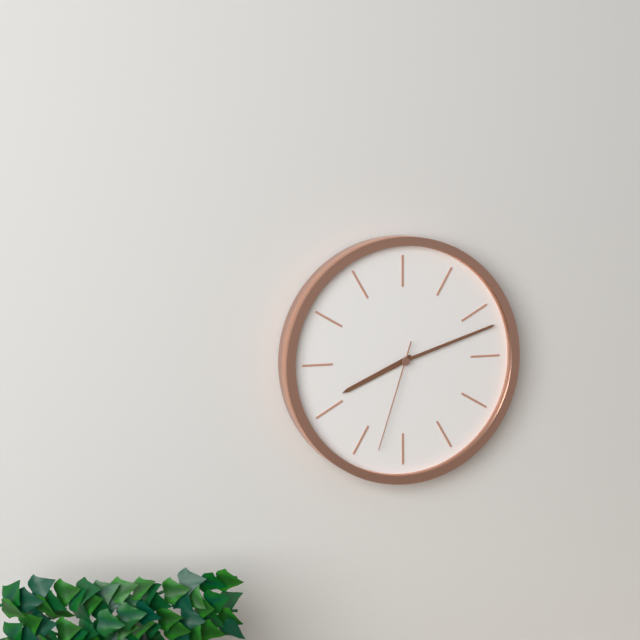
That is h=8 m=12 s=33
